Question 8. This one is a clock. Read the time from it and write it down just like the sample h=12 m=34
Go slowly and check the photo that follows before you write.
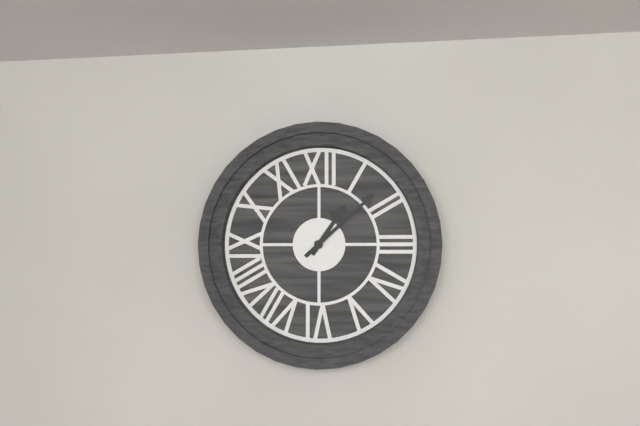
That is h=1 m=8
